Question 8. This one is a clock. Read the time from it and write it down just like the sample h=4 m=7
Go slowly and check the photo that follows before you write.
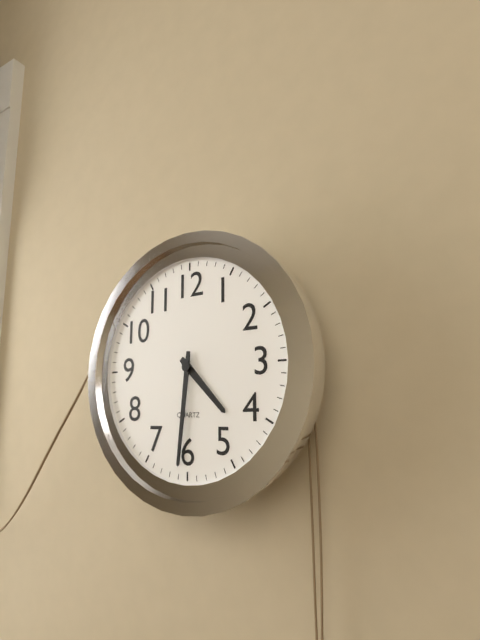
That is h=4 m=31
